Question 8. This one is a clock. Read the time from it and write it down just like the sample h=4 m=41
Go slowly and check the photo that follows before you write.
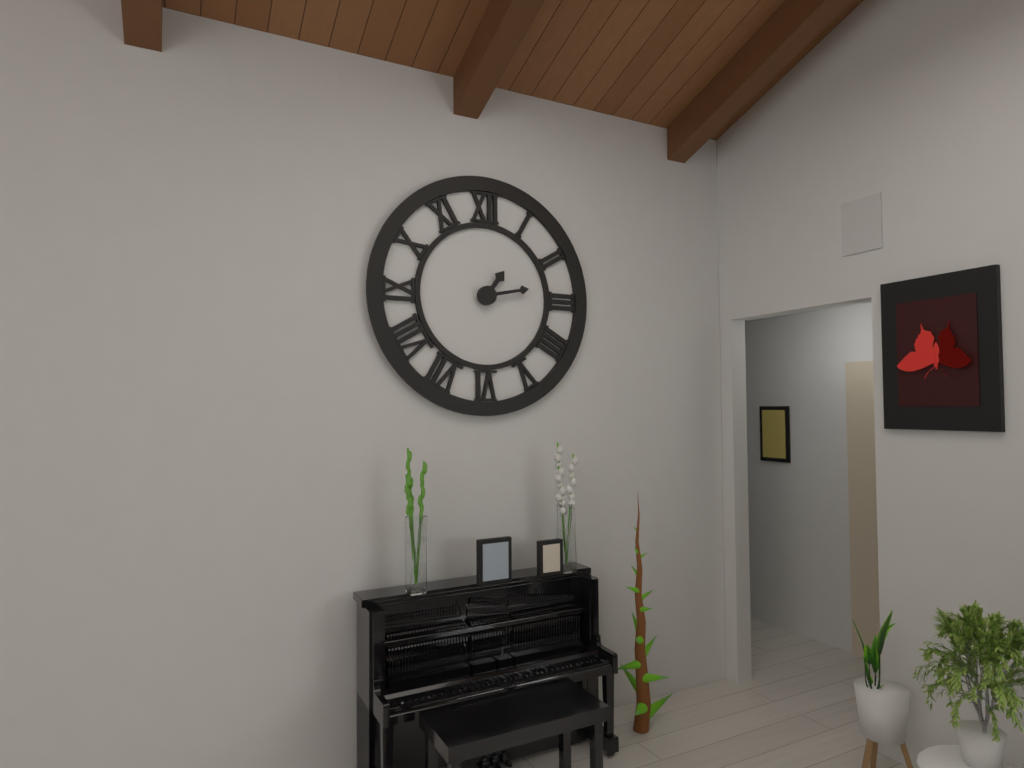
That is h=1 m=13
